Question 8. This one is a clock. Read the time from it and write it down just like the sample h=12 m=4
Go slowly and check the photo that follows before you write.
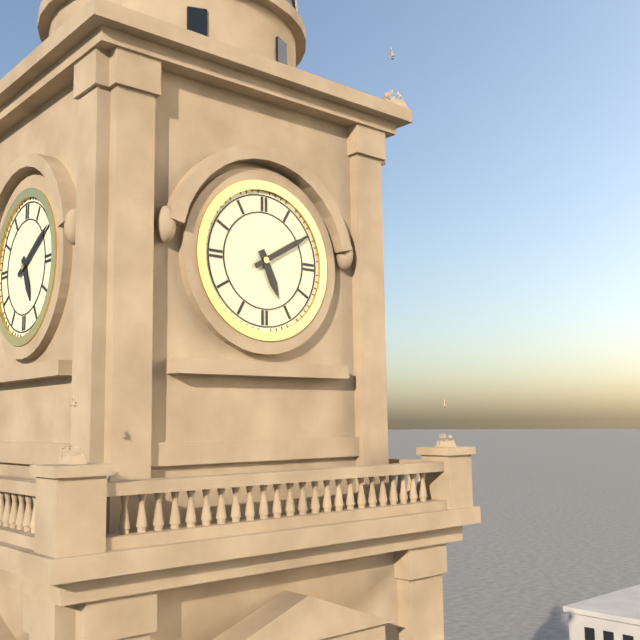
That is h=5 m=10
